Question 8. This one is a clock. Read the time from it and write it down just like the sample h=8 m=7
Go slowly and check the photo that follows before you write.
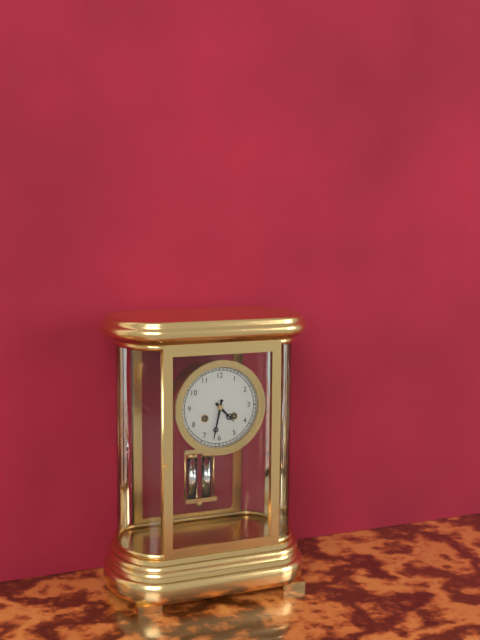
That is h=4 m=32
